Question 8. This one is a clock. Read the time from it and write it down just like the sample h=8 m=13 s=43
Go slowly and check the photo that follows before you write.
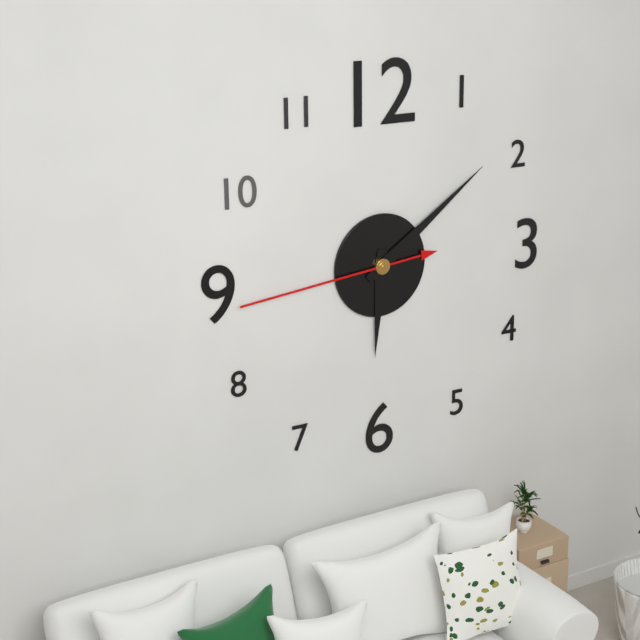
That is h=6 m=9 s=44
